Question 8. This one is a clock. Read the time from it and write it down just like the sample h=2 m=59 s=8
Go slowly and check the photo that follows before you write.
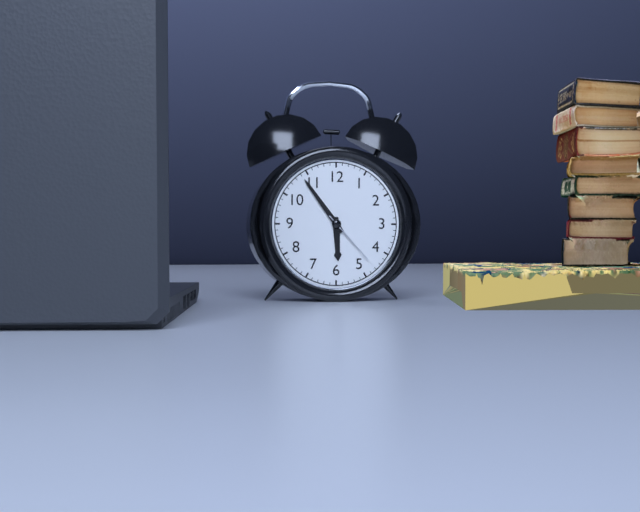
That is h=5 m=54 s=23
